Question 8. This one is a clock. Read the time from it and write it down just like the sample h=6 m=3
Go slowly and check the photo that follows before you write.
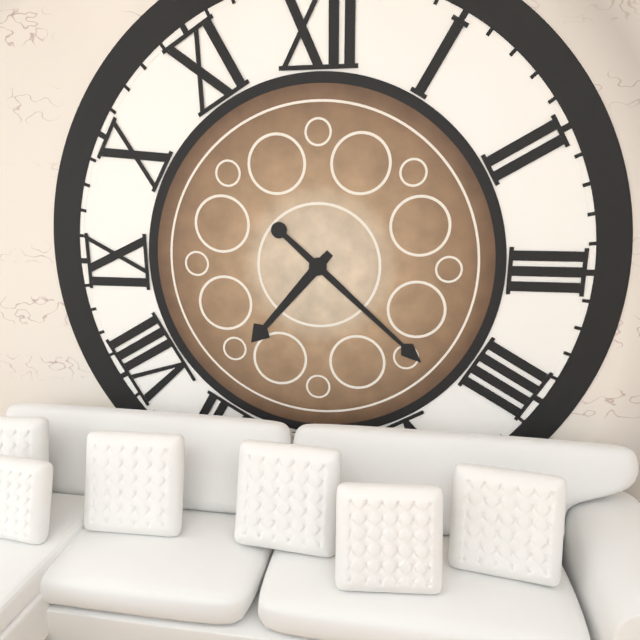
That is h=7 m=22
